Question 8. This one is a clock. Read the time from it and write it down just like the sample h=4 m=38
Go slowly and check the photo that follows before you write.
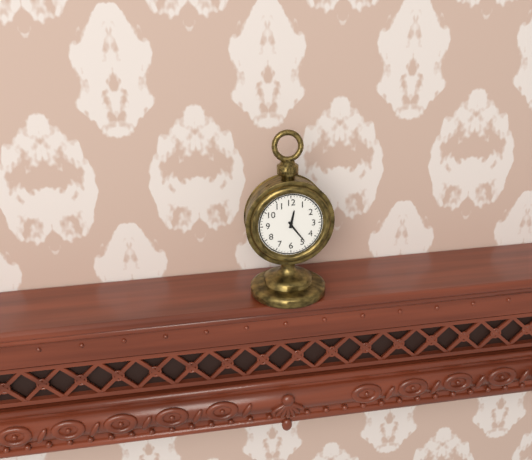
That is h=12 m=24
